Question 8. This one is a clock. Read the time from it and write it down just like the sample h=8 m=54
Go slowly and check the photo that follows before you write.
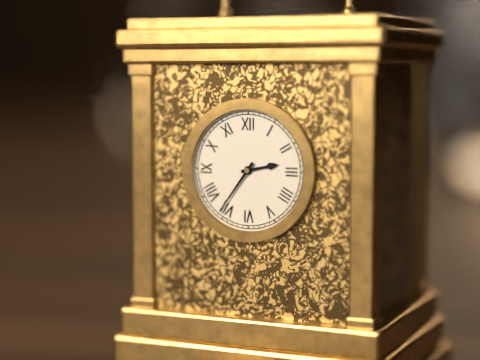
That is h=2 m=36
